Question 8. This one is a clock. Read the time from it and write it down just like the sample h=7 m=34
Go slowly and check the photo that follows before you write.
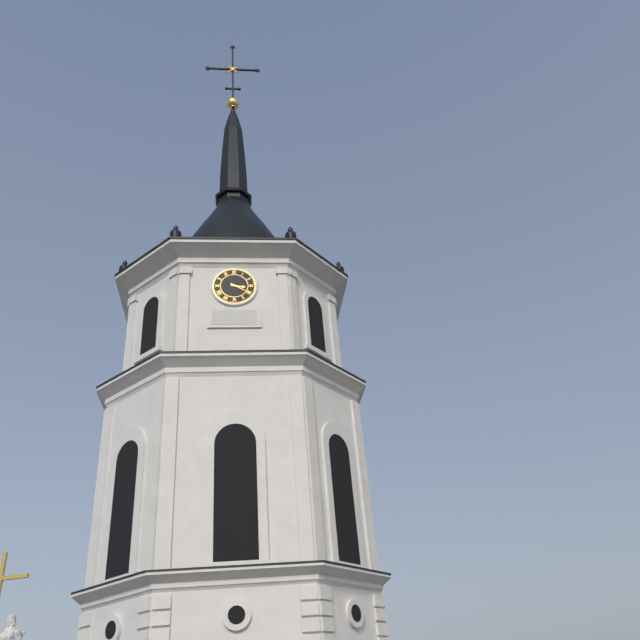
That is h=3 m=20
